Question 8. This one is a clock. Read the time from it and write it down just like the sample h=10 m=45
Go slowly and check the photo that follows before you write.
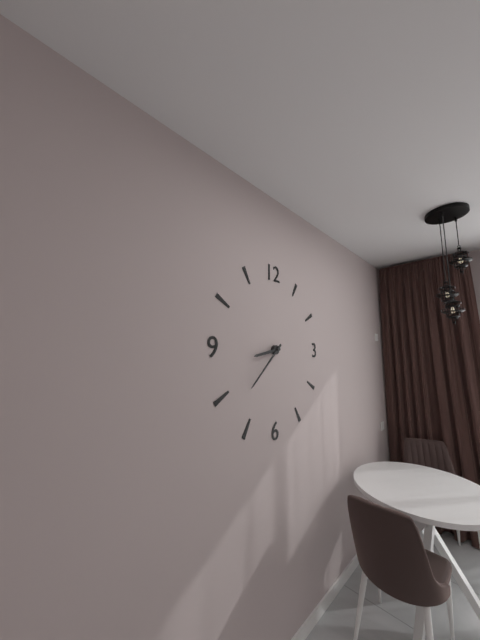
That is h=8 m=38
